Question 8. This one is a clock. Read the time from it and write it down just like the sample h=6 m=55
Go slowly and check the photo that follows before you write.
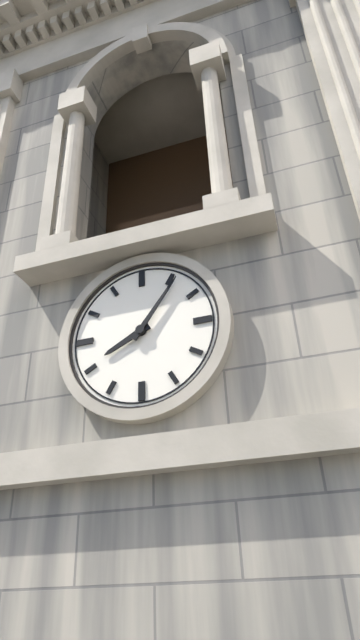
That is h=8 m=6
